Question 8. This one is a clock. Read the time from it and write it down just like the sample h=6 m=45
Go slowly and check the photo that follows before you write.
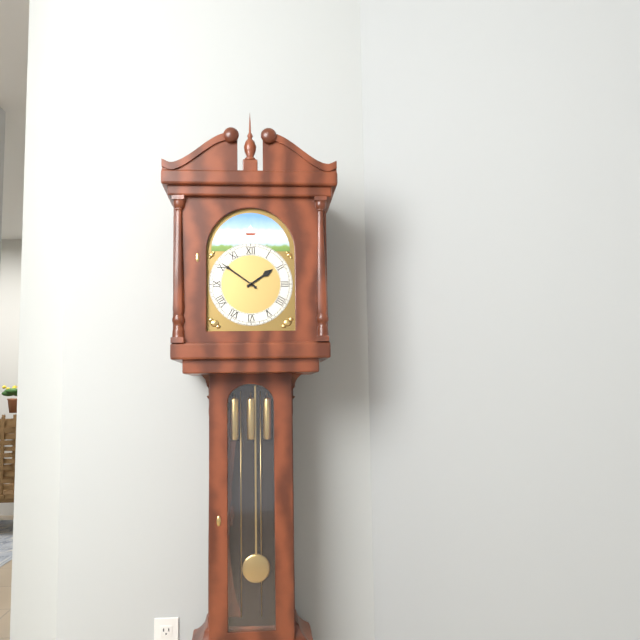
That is h=1 m=51
